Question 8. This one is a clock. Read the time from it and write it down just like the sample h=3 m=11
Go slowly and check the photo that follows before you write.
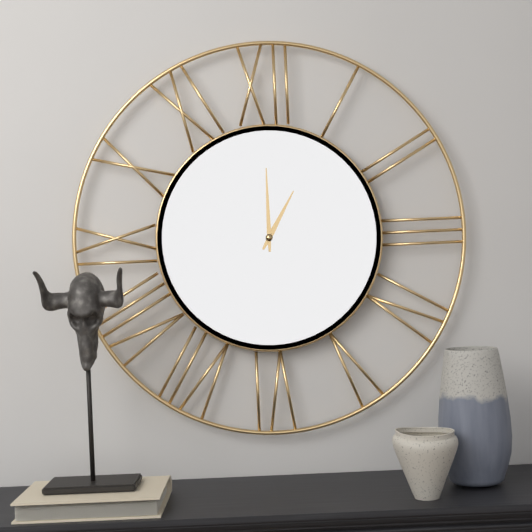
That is h=1 m=0
